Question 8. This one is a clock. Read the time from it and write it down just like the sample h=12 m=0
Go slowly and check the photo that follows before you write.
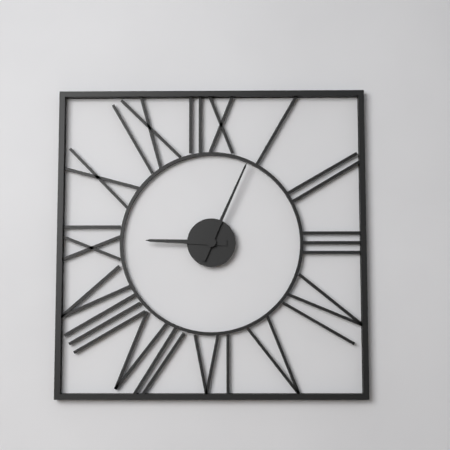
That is h=9 m=4
